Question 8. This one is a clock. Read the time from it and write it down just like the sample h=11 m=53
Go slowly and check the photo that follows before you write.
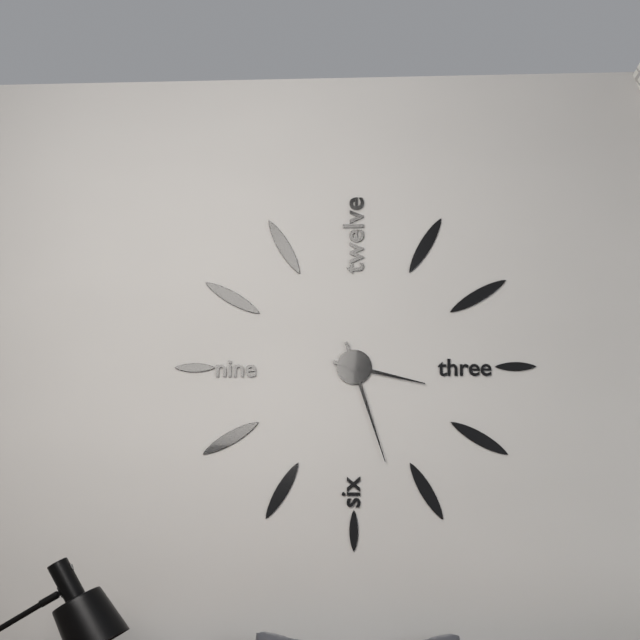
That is h=3 m=27
